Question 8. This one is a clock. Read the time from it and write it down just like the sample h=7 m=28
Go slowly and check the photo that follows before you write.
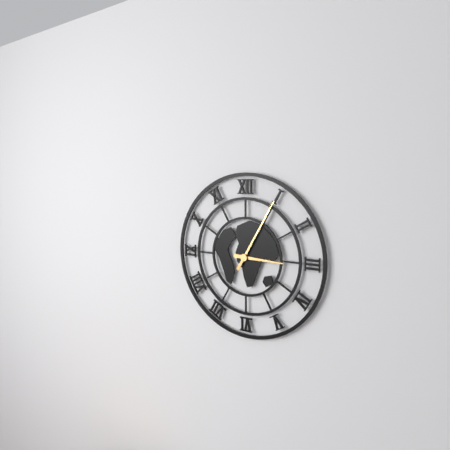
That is h=3 m=5
